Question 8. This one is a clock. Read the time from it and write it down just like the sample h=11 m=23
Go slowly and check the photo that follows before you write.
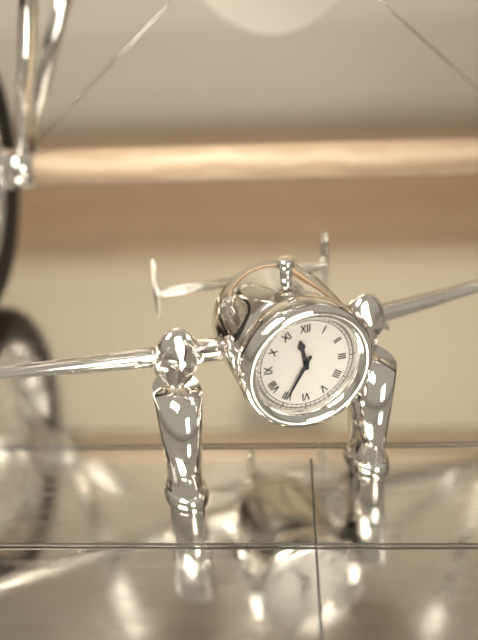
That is h=11 m=35
